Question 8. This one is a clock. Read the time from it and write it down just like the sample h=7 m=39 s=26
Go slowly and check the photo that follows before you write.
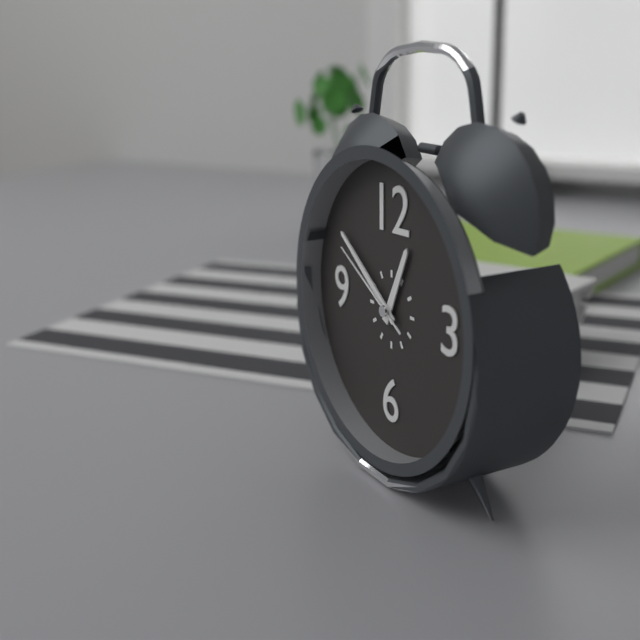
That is h=12 m=51 s=50
